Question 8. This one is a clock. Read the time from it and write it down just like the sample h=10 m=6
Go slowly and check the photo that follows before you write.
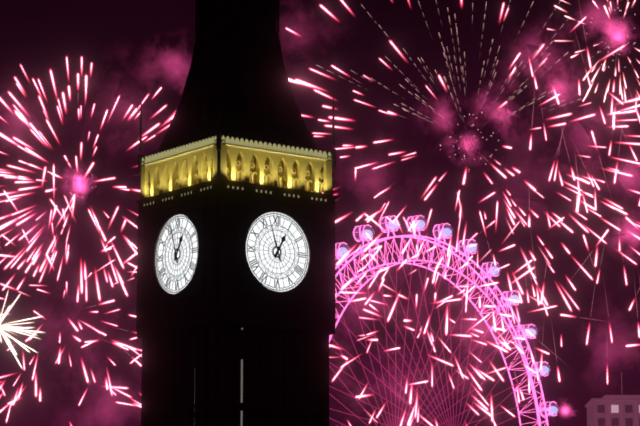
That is h=12 m=57
